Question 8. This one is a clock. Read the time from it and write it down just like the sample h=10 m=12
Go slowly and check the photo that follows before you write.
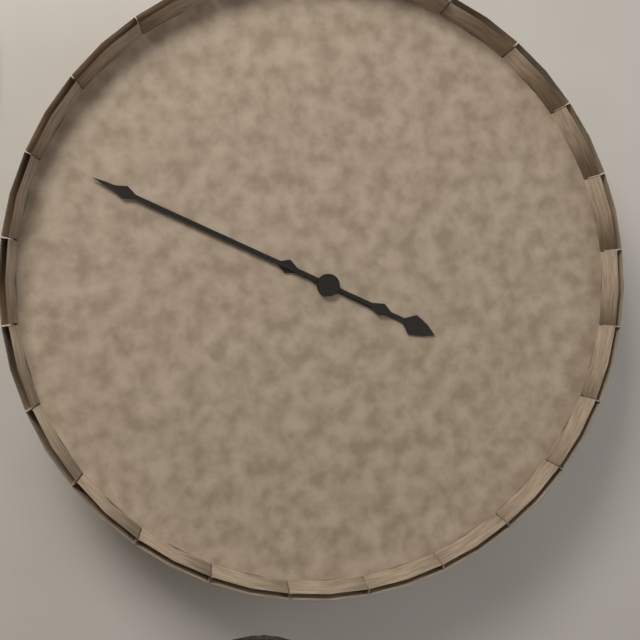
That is h=3 m=49
